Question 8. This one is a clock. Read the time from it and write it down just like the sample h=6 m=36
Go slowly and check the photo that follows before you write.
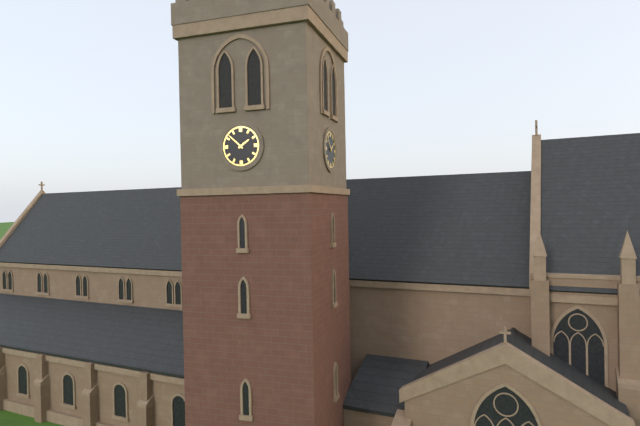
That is h=1 m=52
